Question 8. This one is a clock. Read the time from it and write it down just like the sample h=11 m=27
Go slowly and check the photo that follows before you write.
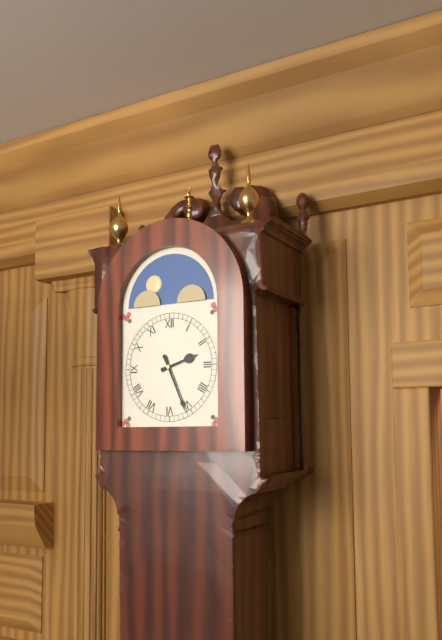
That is h=2 m=26
